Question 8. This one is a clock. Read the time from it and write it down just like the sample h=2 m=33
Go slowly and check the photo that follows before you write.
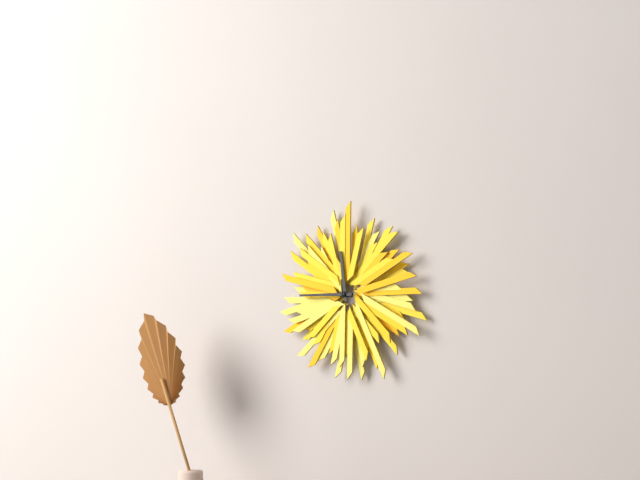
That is h=11 m=45
